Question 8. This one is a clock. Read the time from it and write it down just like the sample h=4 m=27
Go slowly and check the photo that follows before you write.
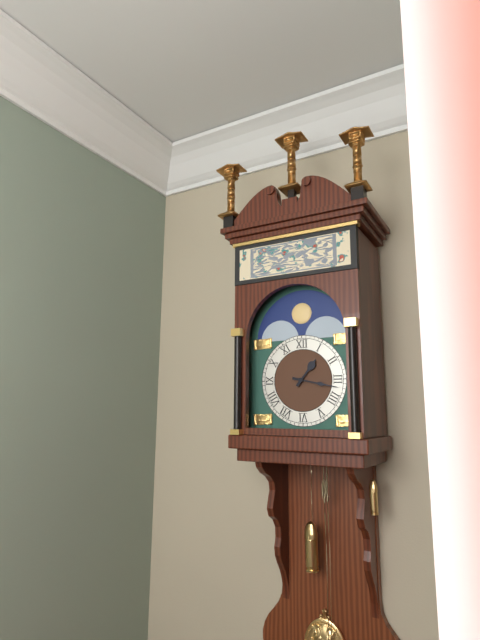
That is h=1 m=17
